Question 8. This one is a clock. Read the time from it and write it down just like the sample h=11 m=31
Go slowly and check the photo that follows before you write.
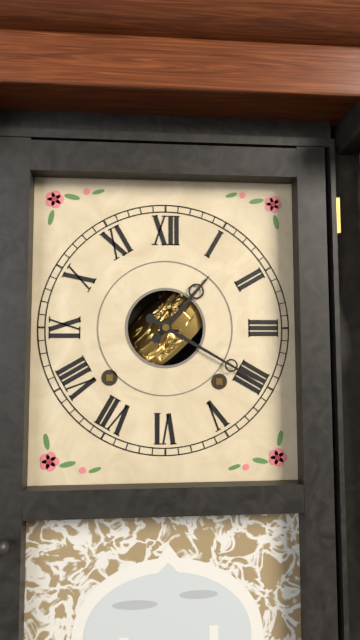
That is h=1 m=20
